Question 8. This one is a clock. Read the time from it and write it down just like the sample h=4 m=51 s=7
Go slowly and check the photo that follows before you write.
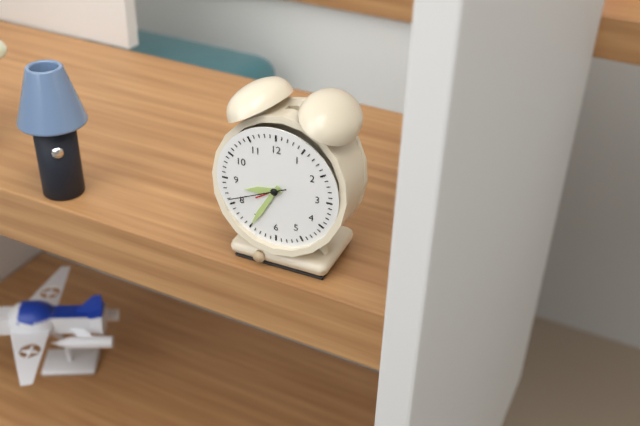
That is h=8 m=35 s=41
